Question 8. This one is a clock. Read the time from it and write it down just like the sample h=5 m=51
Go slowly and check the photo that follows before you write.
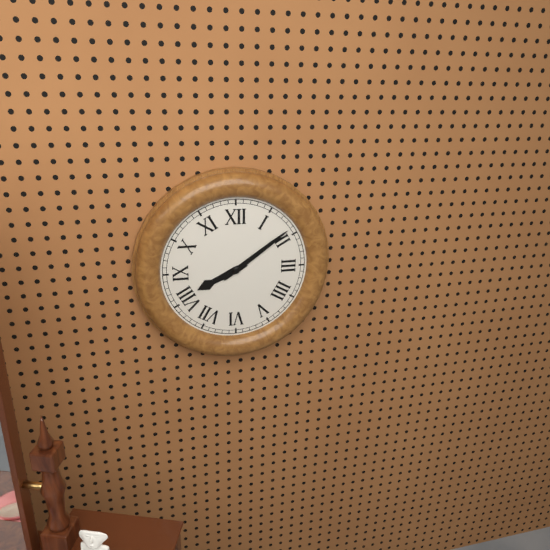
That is h=8 m=9
